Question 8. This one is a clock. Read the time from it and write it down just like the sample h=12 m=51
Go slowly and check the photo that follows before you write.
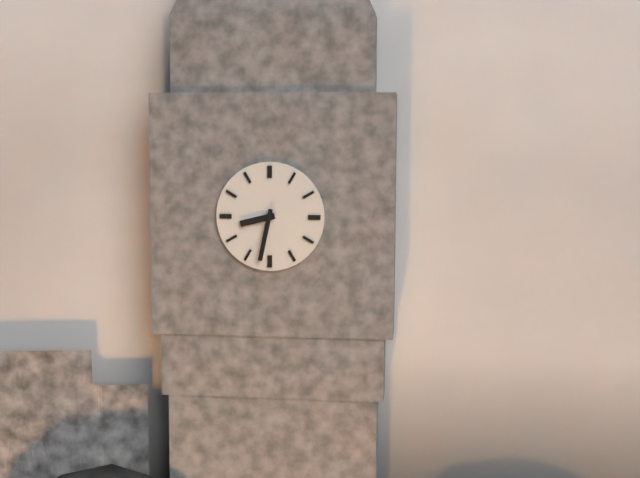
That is h=8 m=32
